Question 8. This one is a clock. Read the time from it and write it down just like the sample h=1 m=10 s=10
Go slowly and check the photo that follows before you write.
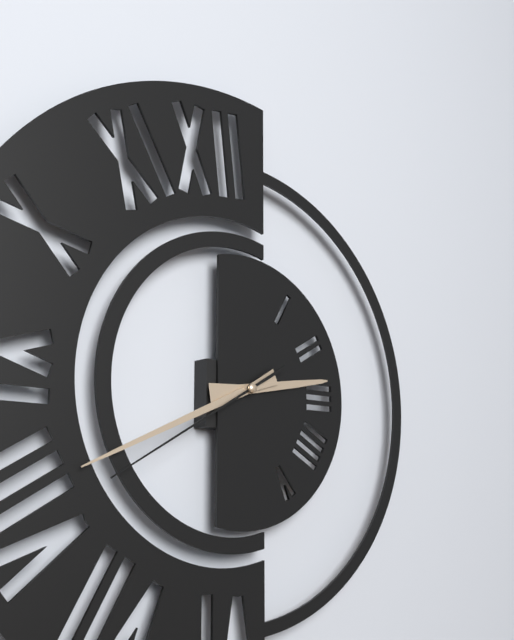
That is h=2 m=41 s=40
